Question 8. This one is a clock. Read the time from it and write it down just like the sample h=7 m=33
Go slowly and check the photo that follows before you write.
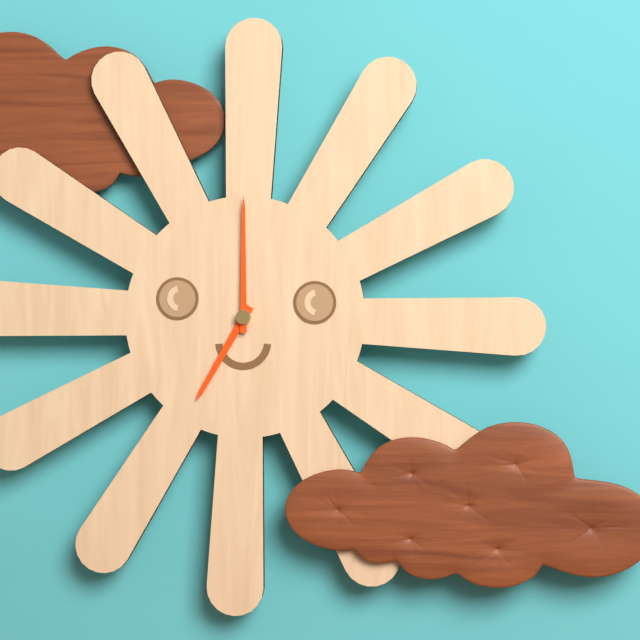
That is h=7 m=0
